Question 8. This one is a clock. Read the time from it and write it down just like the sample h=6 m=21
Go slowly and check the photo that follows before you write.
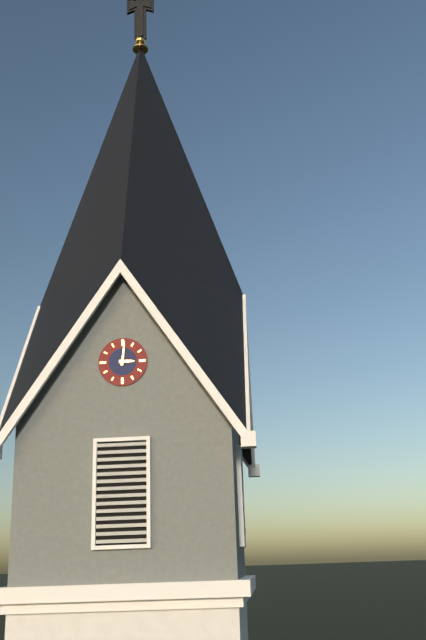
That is h=3 m=1
